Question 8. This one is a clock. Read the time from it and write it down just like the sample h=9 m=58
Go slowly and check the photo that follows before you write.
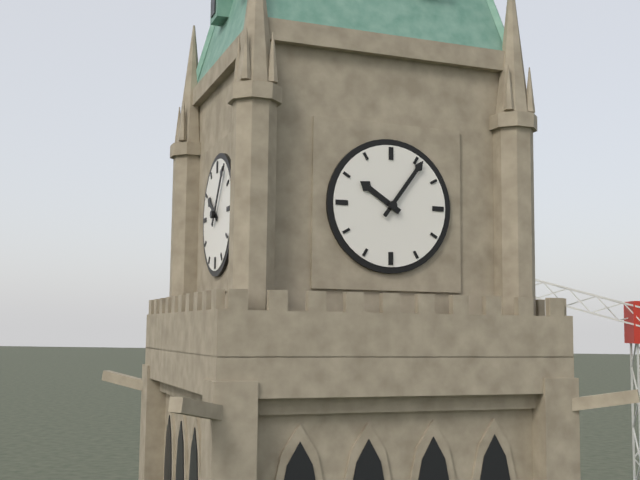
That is h=10 m=6
